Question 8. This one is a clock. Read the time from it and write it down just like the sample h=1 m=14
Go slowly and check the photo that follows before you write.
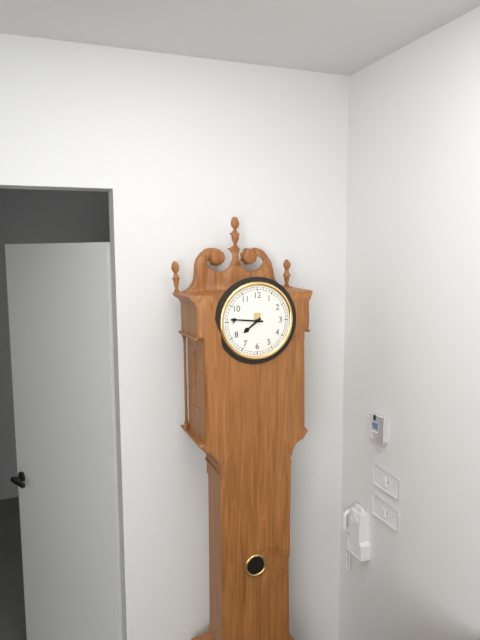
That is h=7 m=46
